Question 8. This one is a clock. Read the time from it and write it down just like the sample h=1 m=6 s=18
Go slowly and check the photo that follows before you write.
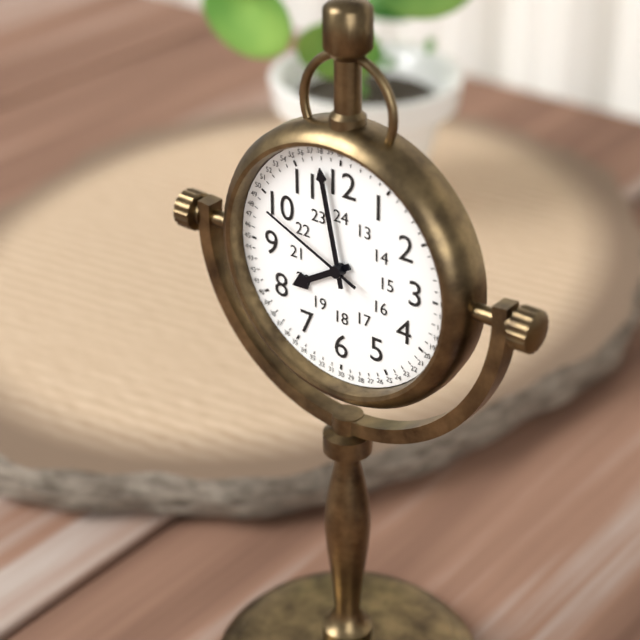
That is h=7 m=58 s=49
